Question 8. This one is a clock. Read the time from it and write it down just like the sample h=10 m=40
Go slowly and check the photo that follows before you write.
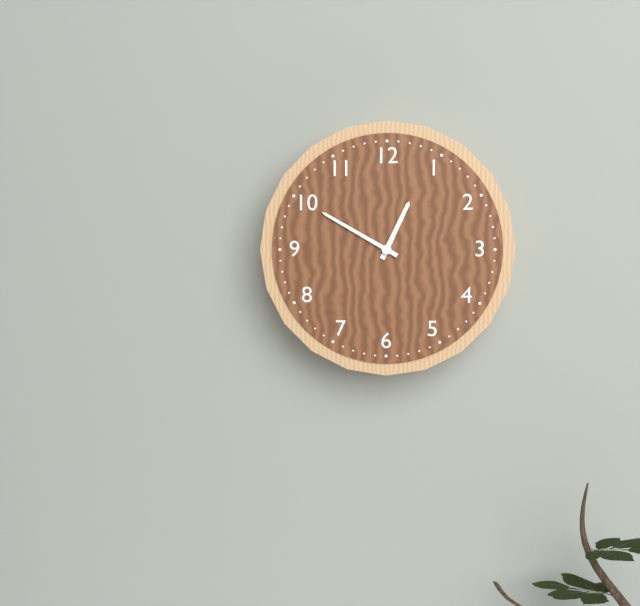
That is h=12 m=50
